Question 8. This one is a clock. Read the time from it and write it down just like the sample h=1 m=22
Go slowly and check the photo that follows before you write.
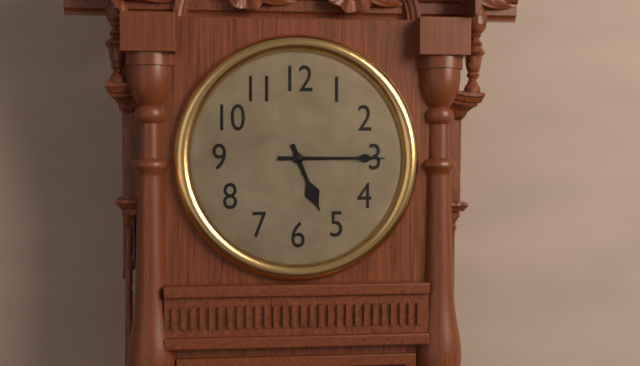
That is h=5 m=15
